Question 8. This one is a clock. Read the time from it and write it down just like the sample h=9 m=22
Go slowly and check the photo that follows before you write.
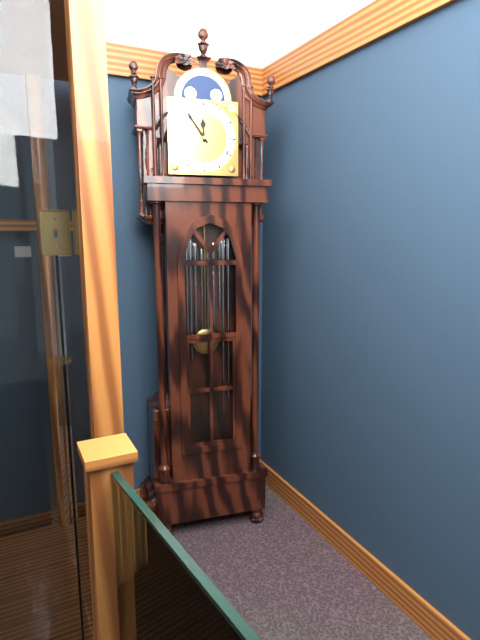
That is h=11 m=54
